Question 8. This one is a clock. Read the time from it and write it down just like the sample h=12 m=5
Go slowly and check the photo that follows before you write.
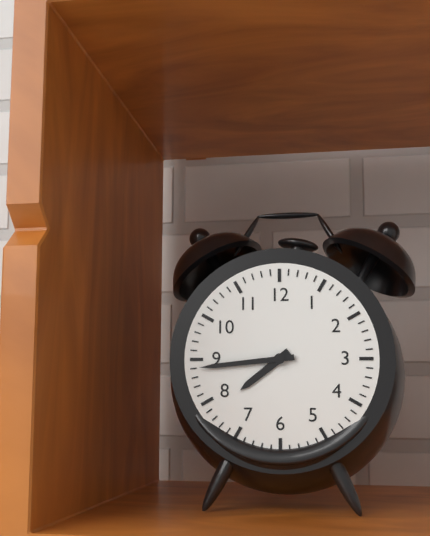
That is h=7 m=44
